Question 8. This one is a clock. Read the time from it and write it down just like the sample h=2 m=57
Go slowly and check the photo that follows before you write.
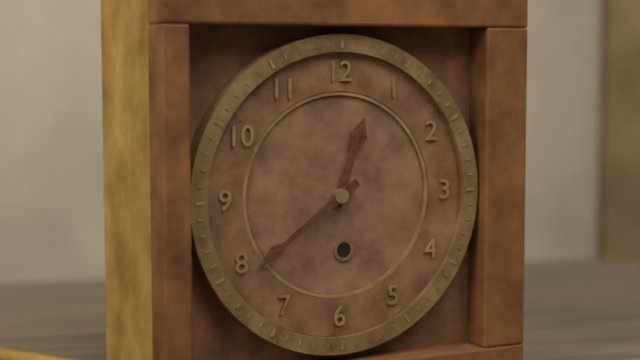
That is h=12 m=39
